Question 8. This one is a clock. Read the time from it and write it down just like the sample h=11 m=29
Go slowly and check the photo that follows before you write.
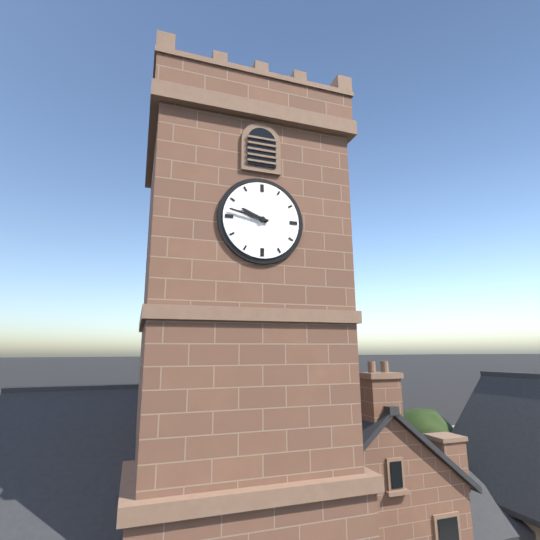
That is h=9 m=47
